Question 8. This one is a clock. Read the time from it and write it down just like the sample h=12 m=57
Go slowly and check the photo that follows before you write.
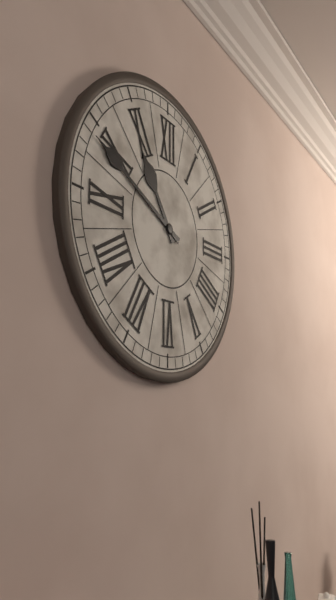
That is h=10 m=49
